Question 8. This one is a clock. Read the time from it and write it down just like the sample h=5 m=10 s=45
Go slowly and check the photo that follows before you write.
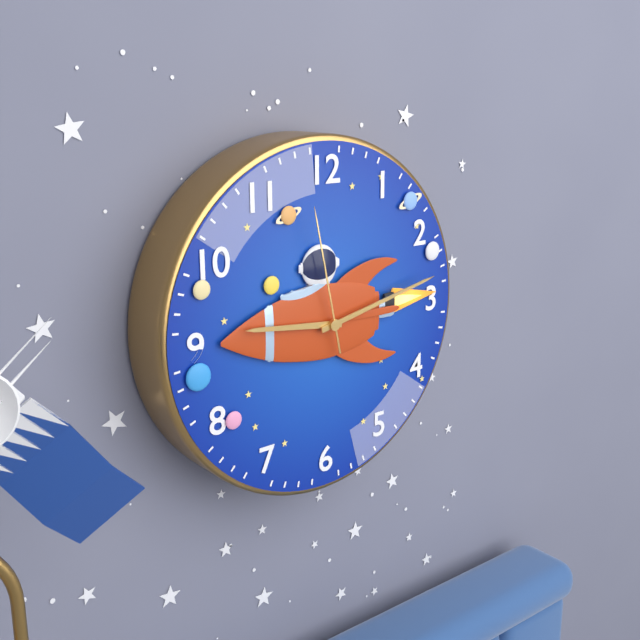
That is h=9 m=13 s=58
